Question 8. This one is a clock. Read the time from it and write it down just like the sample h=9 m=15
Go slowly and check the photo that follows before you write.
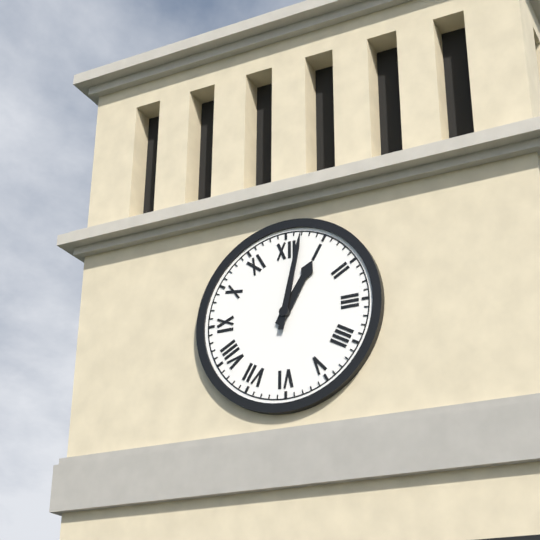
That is h=1 m=2
